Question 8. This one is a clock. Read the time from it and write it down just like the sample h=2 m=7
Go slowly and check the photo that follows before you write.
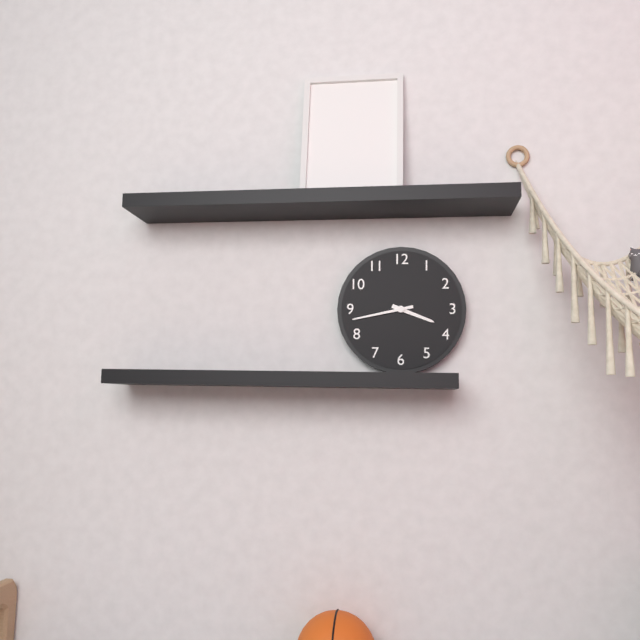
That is h=3 m=43
